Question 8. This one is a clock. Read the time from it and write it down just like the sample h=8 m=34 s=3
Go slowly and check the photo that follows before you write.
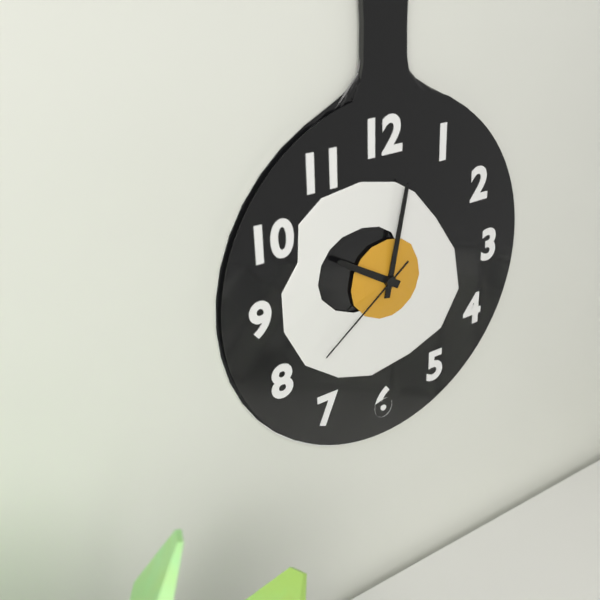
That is h=10 m=2 s=39
